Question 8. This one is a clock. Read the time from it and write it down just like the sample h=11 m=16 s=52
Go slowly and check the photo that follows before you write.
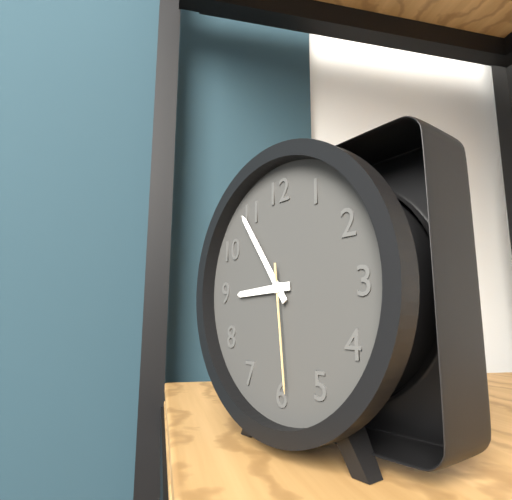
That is h=8 m=54 s=29
